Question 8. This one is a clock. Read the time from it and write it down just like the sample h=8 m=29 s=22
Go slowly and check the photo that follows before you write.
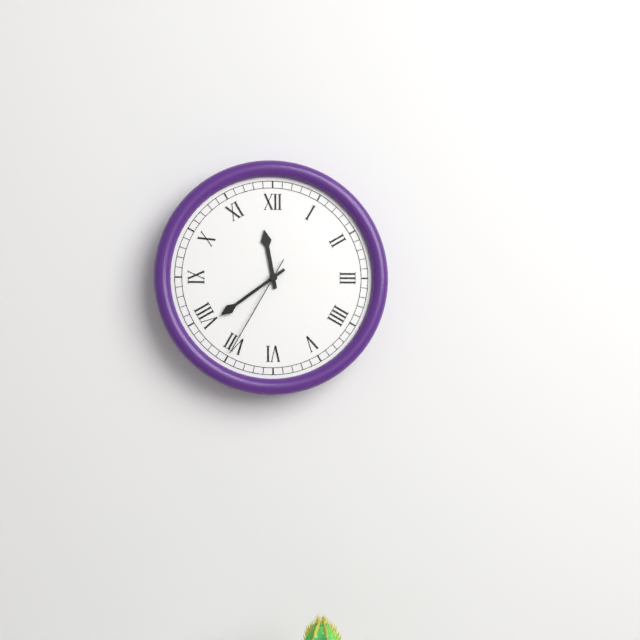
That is h=11 m=39 s=35
